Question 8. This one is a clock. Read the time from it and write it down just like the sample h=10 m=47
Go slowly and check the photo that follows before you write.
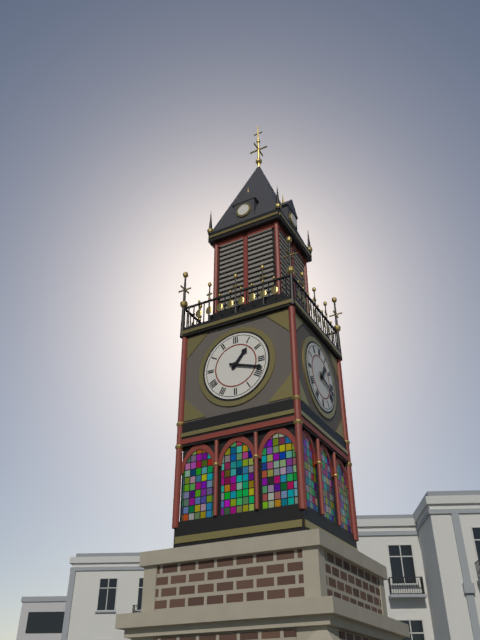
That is h=1 m=18
